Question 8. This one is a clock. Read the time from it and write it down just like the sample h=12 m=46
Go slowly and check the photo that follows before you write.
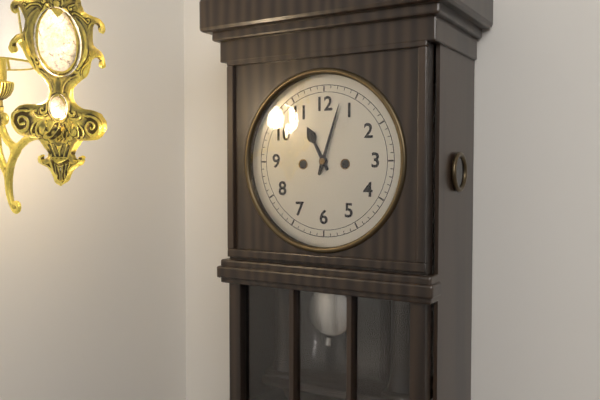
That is h=11 m=3
